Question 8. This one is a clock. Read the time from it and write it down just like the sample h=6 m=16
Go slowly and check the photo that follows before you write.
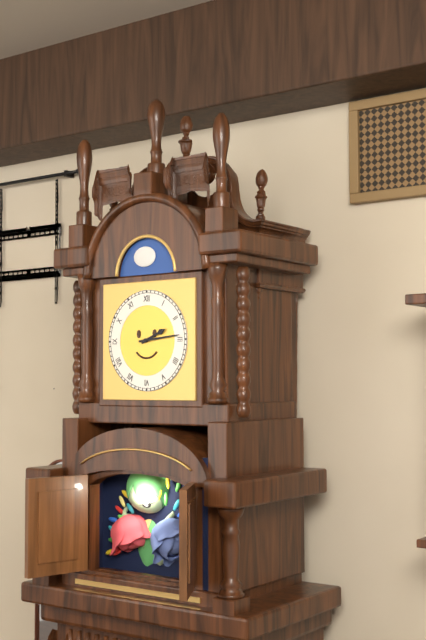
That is h=2 m=14
